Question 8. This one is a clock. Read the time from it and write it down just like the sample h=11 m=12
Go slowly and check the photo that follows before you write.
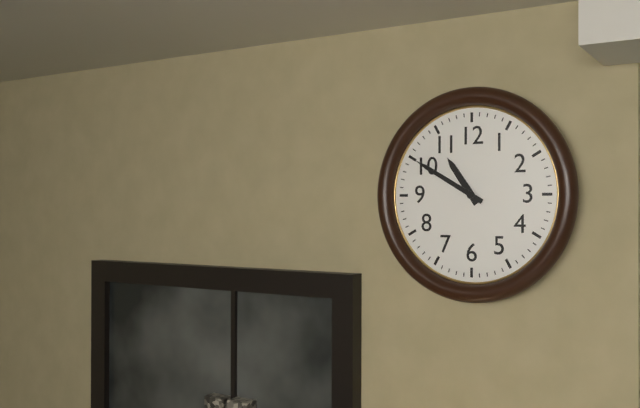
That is h=10 m=50
